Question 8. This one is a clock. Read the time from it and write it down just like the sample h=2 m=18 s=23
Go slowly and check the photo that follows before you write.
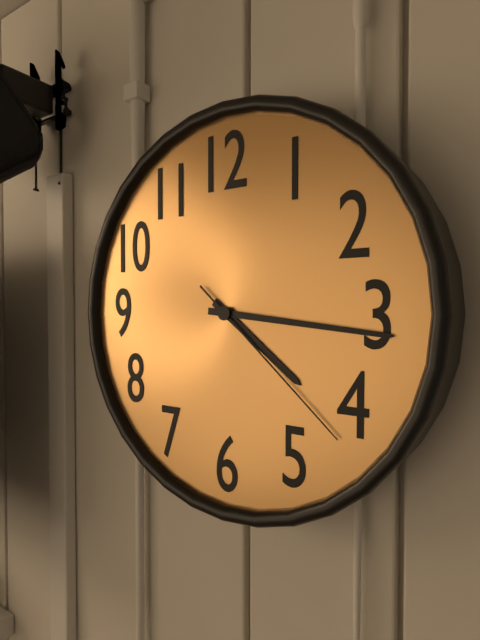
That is h=4 m=16 s=22
